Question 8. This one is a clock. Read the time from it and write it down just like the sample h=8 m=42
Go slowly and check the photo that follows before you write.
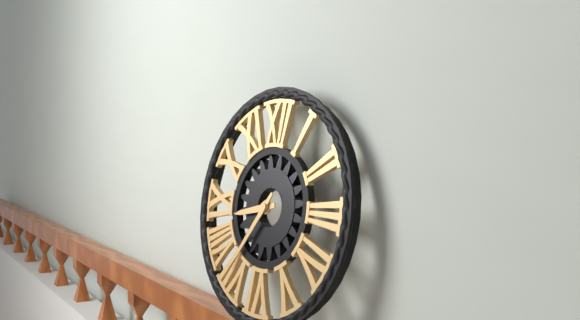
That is h=8 m=36
